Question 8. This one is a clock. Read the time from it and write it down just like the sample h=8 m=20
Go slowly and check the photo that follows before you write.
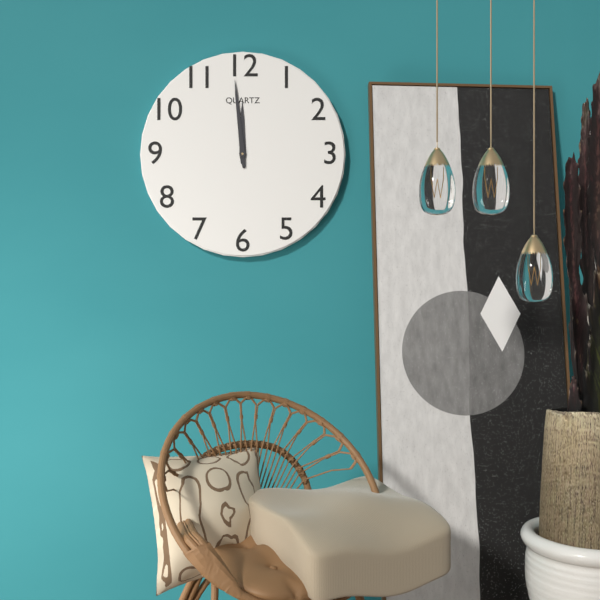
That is h=11 m=59
